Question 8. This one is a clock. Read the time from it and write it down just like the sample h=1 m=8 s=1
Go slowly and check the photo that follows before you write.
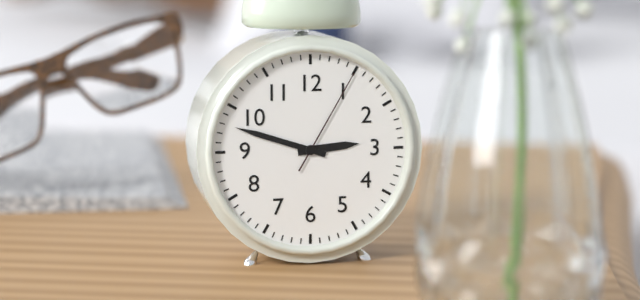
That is h=2 m=48 s=5
